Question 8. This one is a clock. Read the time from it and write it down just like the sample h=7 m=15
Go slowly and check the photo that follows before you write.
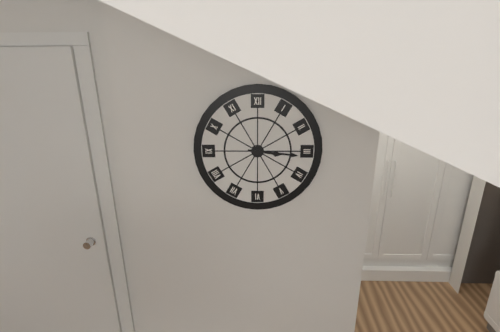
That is h=3 m=16
